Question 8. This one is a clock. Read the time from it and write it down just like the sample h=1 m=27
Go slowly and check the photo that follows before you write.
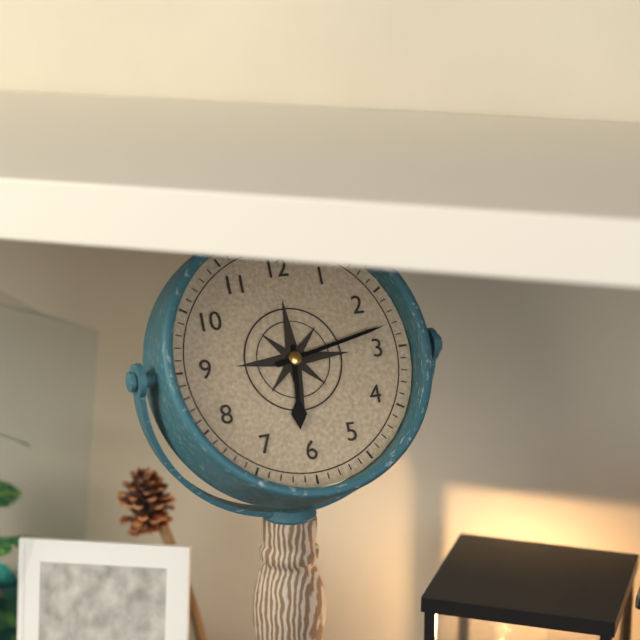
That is h=6 m=13
